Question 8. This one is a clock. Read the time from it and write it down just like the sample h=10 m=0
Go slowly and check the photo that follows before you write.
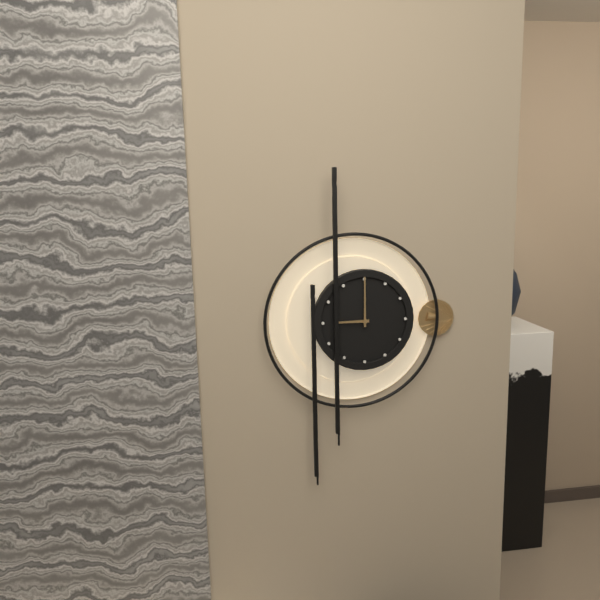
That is h=9 m=0
